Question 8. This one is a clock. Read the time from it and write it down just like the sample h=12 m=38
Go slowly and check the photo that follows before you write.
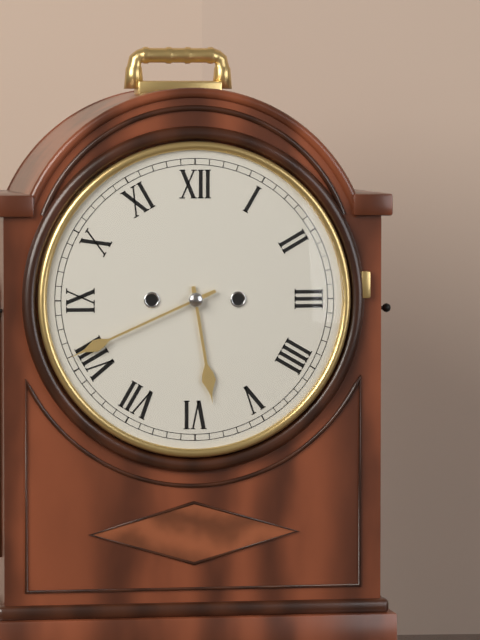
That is h=5 m=41
